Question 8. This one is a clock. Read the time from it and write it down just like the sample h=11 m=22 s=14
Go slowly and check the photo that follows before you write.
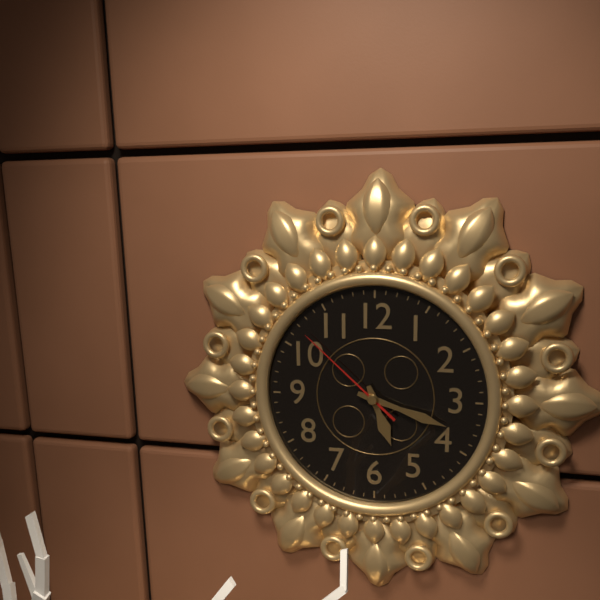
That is h=5 m=18 s=52
